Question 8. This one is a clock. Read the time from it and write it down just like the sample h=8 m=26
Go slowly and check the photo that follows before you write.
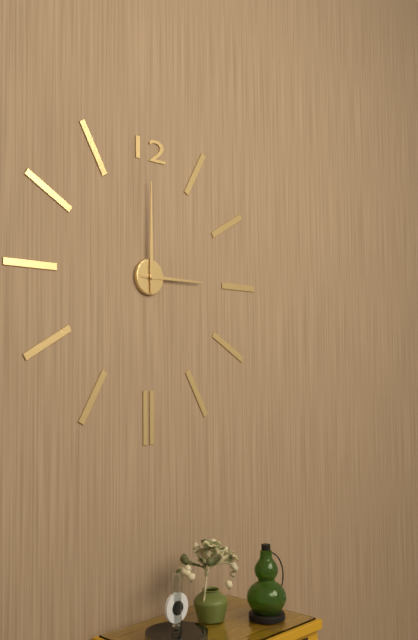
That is h=3 m=0
